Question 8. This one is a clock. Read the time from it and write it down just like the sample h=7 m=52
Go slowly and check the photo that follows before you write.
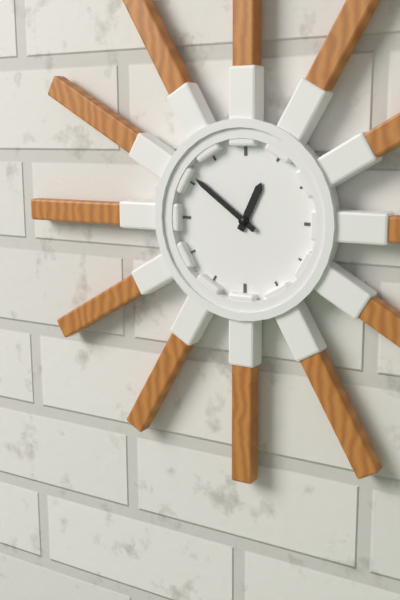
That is h=12 m=51
